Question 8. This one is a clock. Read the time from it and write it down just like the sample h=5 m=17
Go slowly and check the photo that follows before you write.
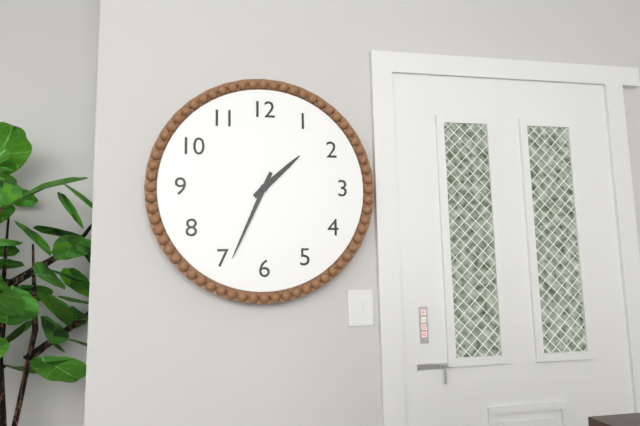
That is h=1 m=34
